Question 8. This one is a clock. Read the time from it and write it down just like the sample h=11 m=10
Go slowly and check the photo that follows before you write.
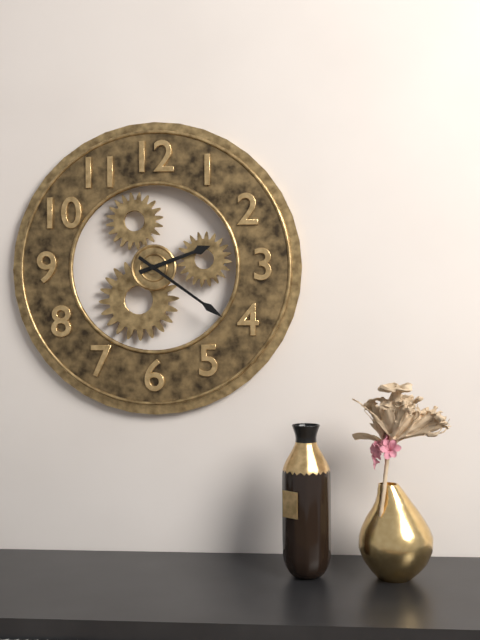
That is h=2 m=21
